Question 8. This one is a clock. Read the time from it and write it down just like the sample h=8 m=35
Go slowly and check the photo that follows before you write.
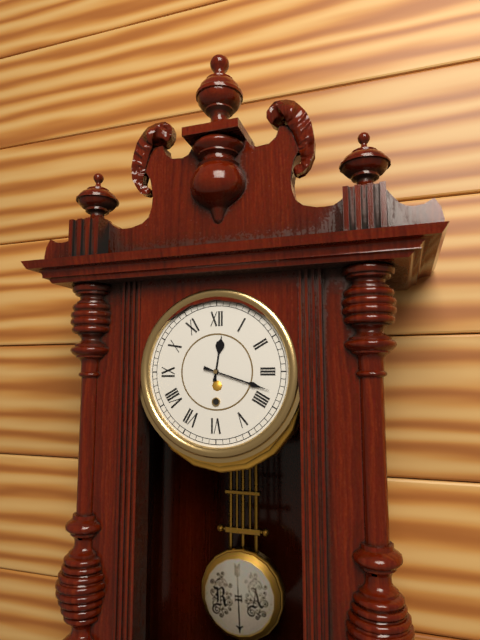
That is h=12 m=18
